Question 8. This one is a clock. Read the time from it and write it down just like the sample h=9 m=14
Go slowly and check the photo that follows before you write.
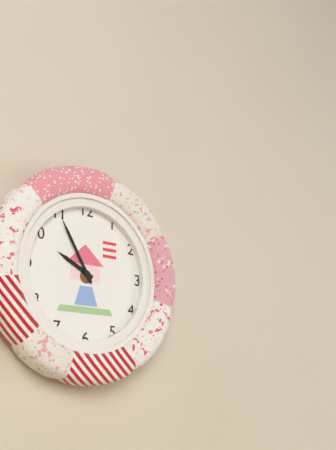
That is h=9 m=55
